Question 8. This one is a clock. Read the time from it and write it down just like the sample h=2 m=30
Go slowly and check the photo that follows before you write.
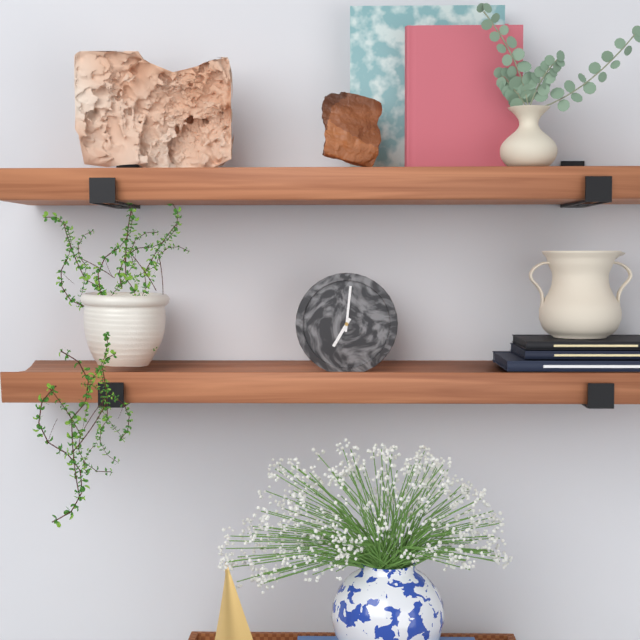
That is h=7 m=1
